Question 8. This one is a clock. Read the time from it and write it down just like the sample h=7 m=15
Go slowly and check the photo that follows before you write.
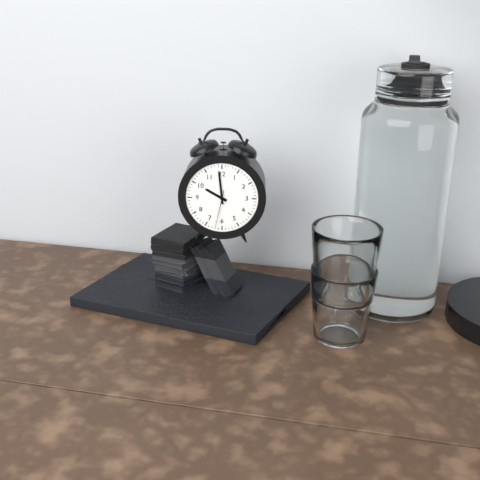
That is h=9 m=59
